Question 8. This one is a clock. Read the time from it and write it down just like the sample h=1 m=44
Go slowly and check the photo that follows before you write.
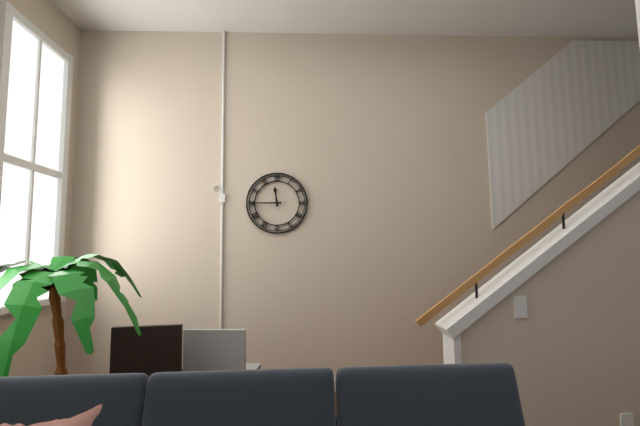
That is h=11 m=45
